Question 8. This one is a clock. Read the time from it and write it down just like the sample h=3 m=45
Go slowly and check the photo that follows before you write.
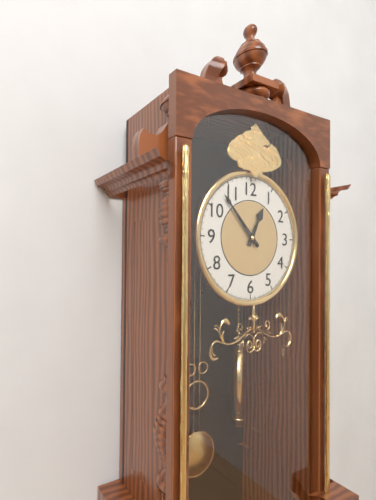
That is h=12 m=53
